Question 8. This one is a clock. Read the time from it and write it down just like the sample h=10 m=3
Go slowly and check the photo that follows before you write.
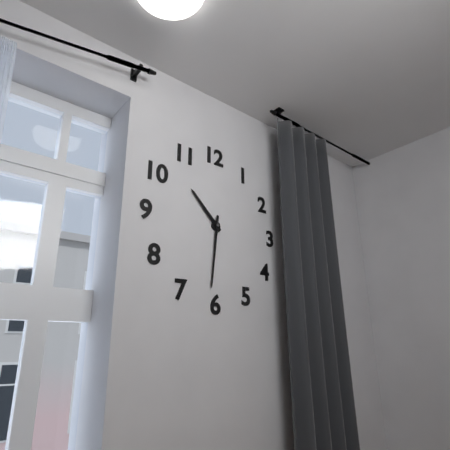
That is h=10 m=31
